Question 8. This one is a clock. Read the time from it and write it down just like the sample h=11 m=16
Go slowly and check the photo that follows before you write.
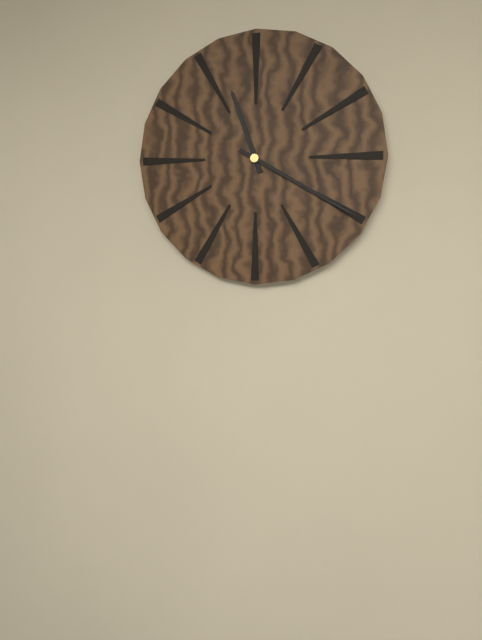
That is h=11 m=20
